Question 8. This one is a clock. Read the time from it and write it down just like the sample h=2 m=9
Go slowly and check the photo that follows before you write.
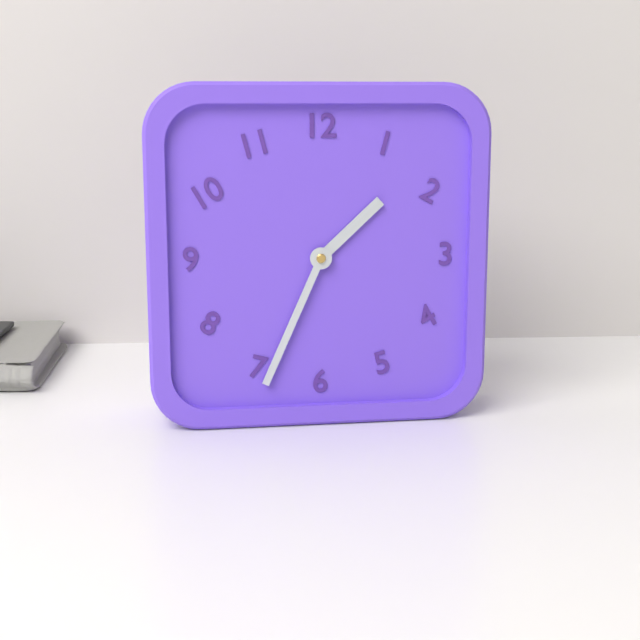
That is h=1 m=34
